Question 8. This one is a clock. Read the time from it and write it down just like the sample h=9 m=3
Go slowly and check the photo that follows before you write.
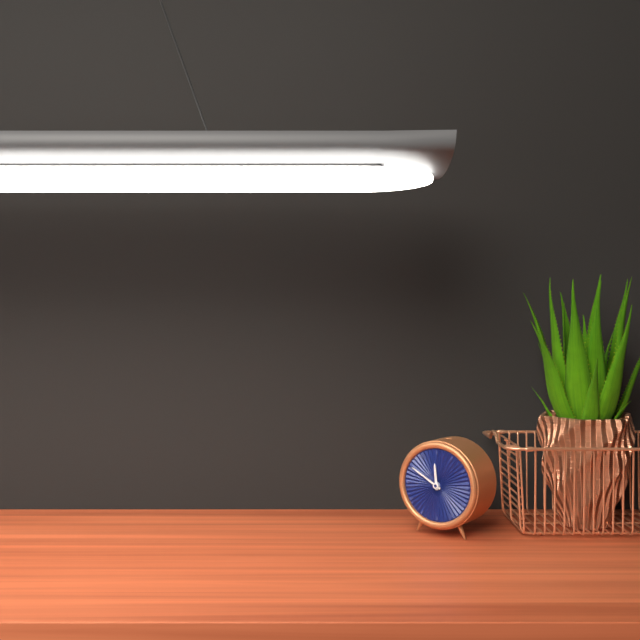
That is h=11 m=50
